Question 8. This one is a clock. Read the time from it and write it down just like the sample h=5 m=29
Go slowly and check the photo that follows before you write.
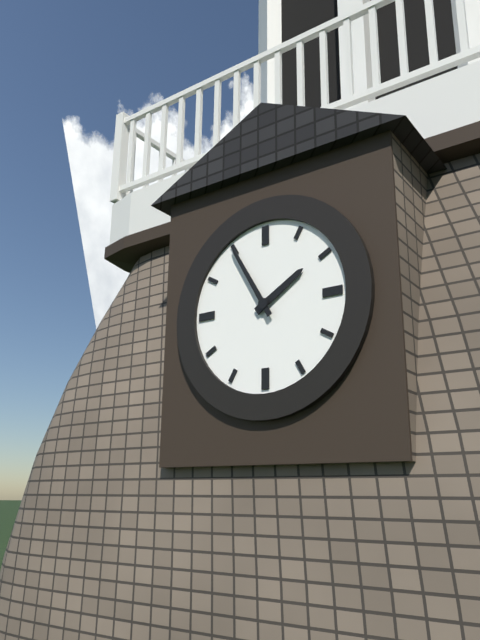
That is h=1 m=55
